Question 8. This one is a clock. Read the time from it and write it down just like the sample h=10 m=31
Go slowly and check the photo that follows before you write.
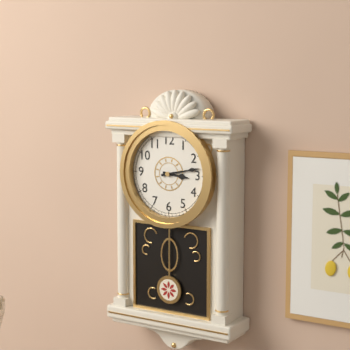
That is h=3 m=13
